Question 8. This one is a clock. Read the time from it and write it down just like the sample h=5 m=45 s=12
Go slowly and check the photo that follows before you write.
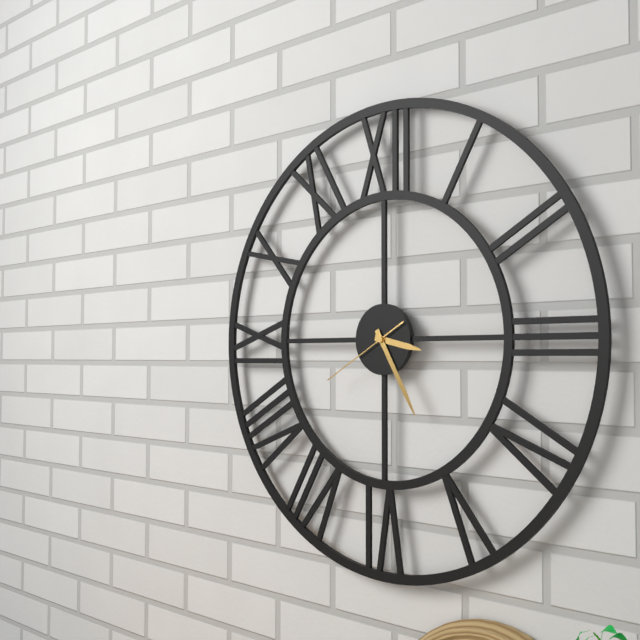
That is h=3 m=25 s=40
